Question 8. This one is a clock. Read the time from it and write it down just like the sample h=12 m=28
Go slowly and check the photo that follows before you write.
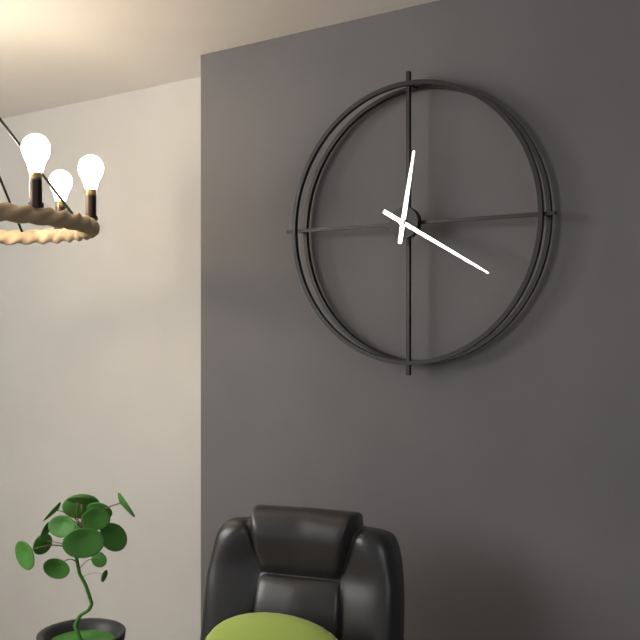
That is h=12 m=20
